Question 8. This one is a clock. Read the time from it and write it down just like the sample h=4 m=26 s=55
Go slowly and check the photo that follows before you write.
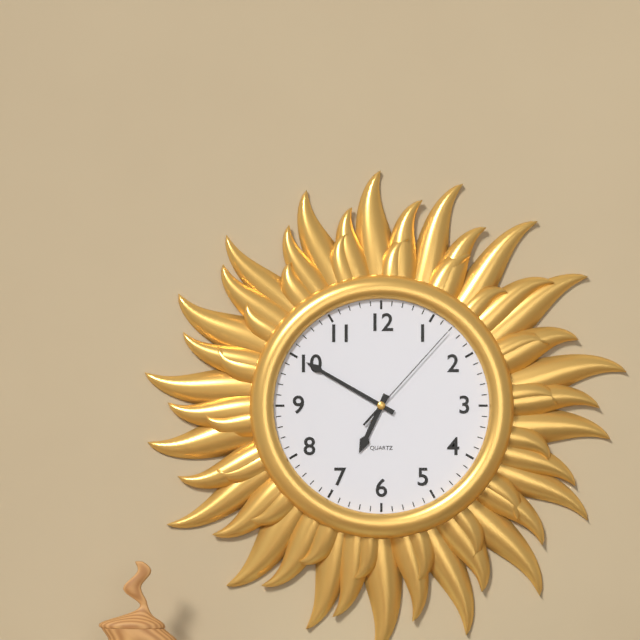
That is h=6 m=50 s=7
